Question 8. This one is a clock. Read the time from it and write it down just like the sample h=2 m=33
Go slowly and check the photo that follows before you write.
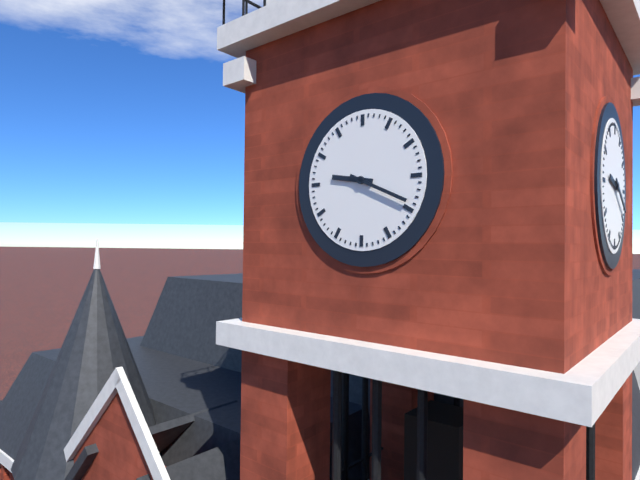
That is h=9 m=19
